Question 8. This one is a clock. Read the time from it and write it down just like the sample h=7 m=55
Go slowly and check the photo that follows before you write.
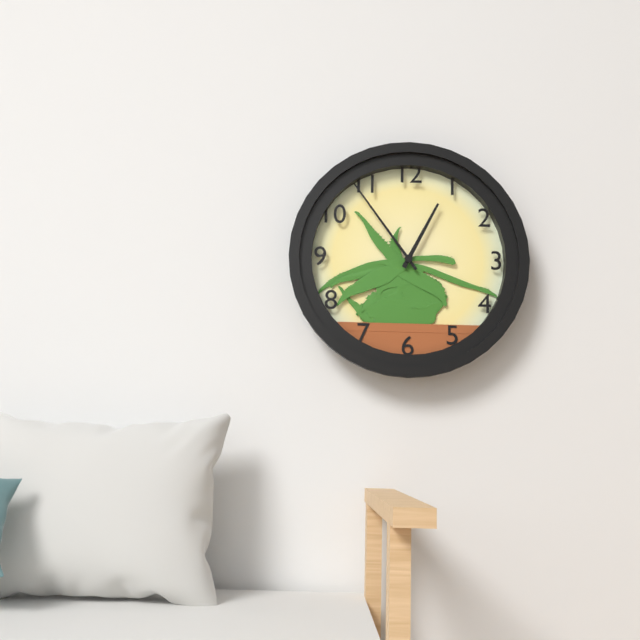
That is h=12 m=54
